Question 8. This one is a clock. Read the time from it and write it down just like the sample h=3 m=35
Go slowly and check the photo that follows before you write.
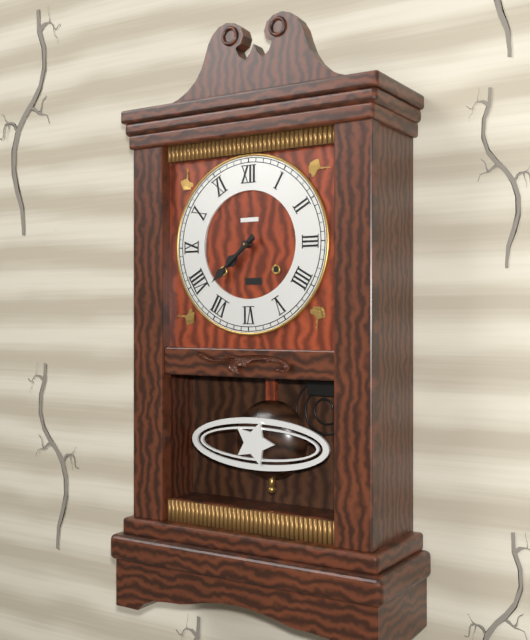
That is h=7 m=38
